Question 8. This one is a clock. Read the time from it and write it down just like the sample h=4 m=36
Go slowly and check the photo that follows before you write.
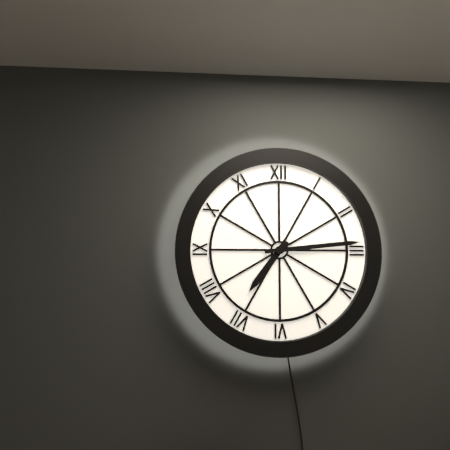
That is h=7 m=14
